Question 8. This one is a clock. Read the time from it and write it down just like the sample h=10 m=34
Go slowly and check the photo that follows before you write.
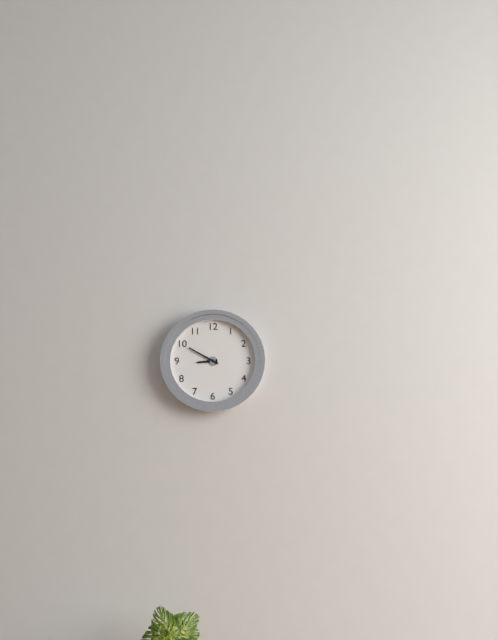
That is h=8 m=50
